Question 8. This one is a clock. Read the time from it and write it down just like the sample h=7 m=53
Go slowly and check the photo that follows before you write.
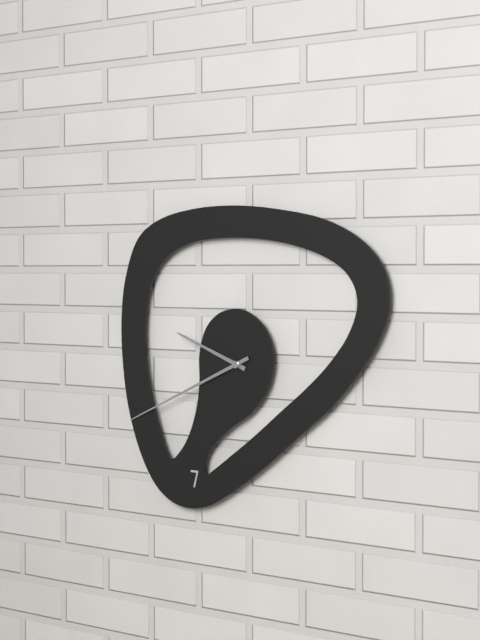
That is h=9 m=41
